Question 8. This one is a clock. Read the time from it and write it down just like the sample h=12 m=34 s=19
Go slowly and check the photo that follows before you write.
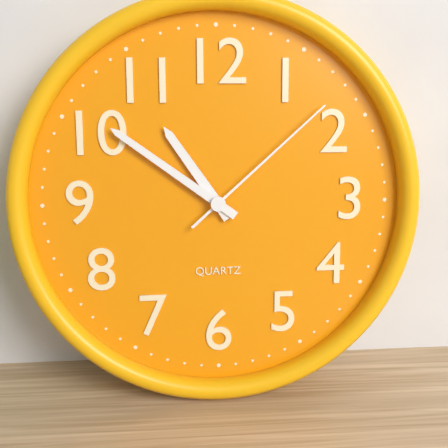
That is h=10 m=51 s=8
